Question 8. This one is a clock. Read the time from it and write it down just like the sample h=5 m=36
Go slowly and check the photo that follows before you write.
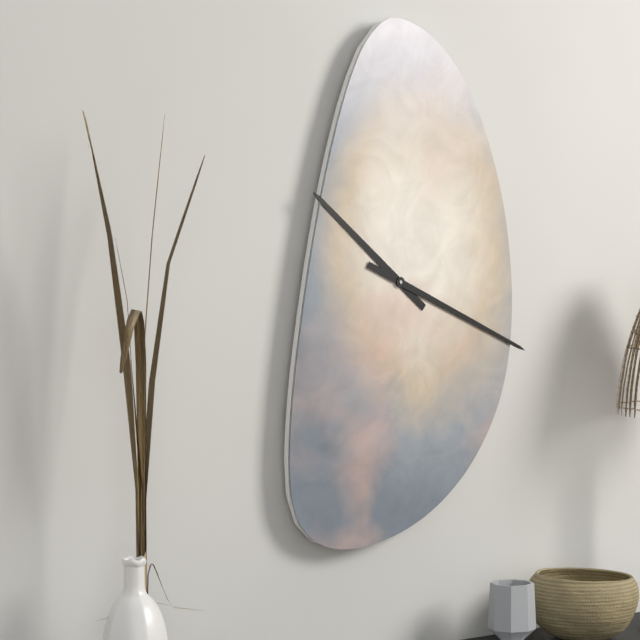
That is h=10 m=19
